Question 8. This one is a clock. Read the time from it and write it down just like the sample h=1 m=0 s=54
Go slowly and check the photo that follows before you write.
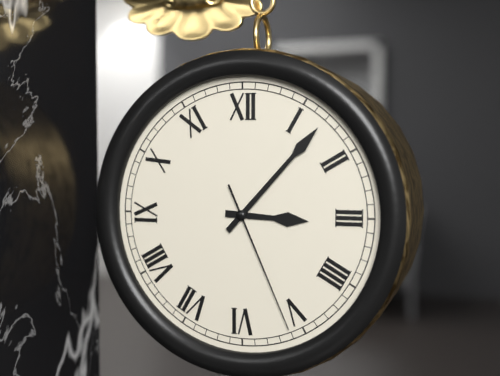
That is h=3 m=7 s=26
